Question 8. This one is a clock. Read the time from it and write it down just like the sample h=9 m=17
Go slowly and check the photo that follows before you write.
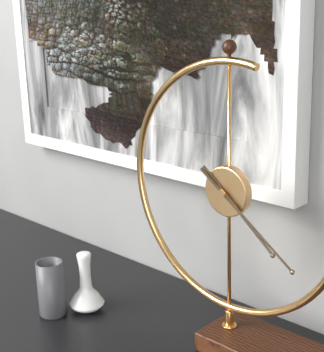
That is h=4 m=21
